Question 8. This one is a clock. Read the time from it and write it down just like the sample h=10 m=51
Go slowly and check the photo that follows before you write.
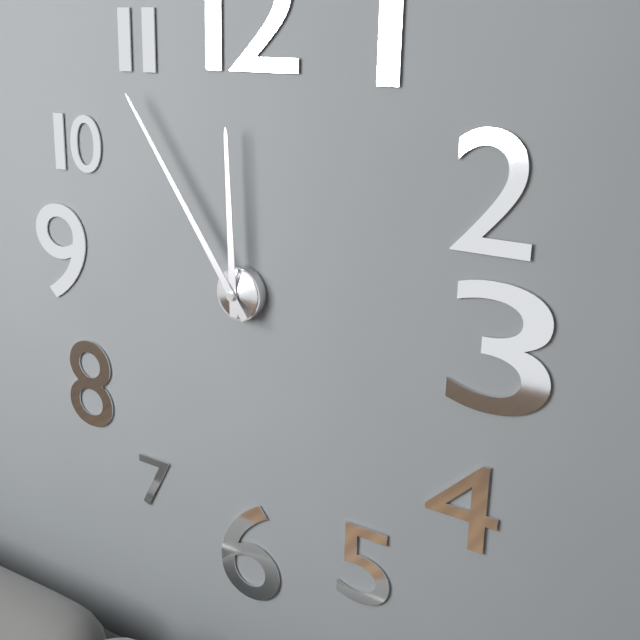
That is h=11 m=54
